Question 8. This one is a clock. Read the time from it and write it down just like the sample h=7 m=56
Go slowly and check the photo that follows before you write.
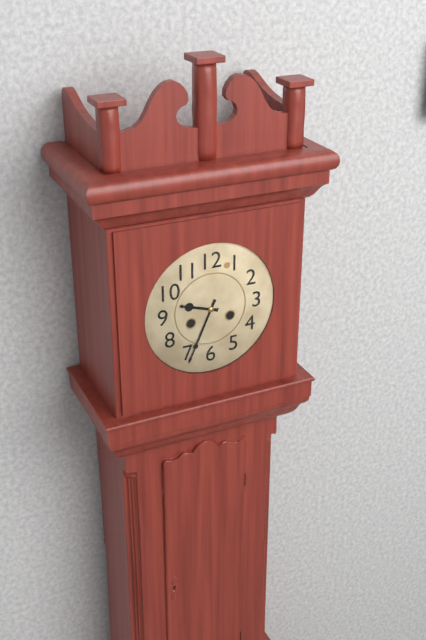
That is h=9 m=34
